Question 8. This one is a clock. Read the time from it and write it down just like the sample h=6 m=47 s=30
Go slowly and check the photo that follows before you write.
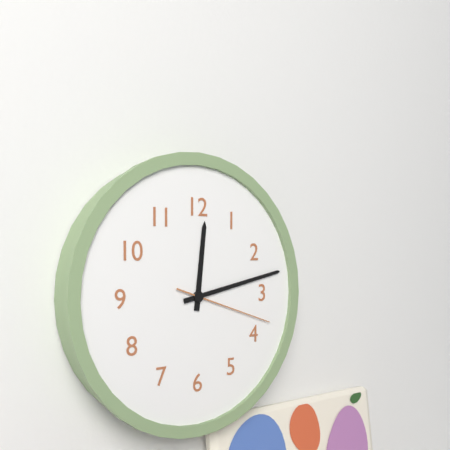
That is h=12 m=13 s=18
